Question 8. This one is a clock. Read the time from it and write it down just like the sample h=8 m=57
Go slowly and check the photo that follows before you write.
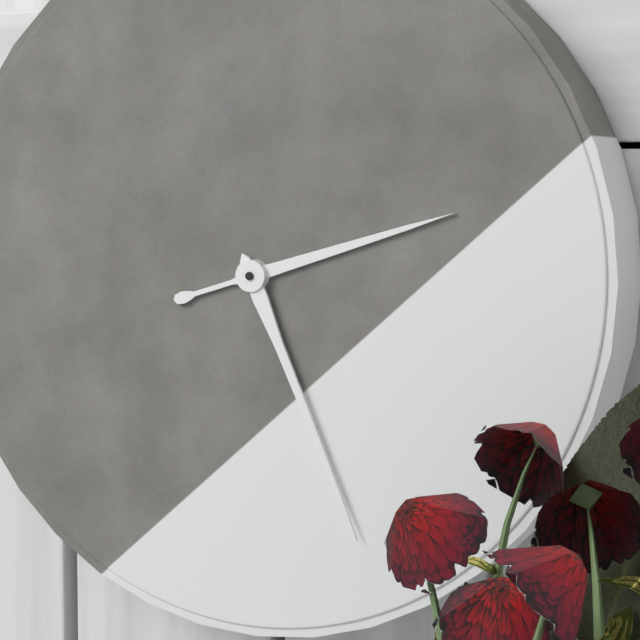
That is h=2 m=26
